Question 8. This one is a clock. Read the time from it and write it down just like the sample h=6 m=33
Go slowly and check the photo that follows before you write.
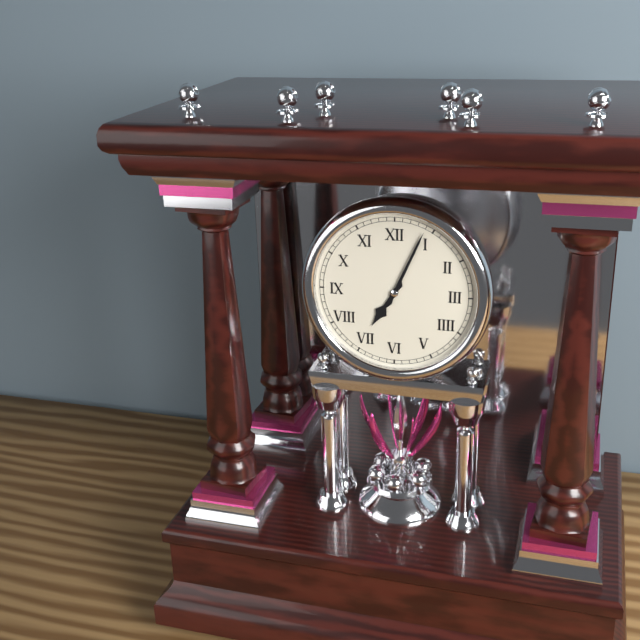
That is h=7 m=4
